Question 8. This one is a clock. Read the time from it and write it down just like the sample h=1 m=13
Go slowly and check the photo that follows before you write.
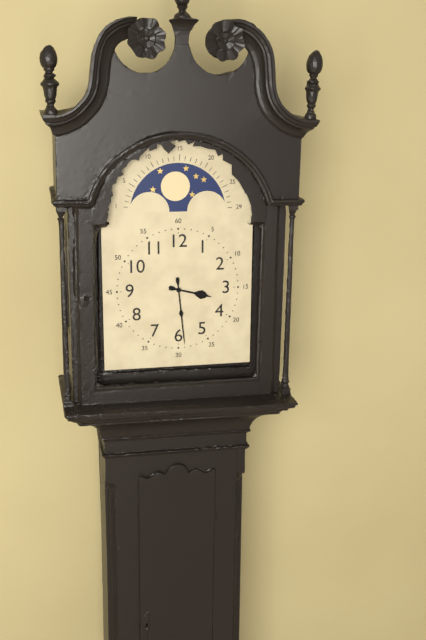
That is h=3 m=29
